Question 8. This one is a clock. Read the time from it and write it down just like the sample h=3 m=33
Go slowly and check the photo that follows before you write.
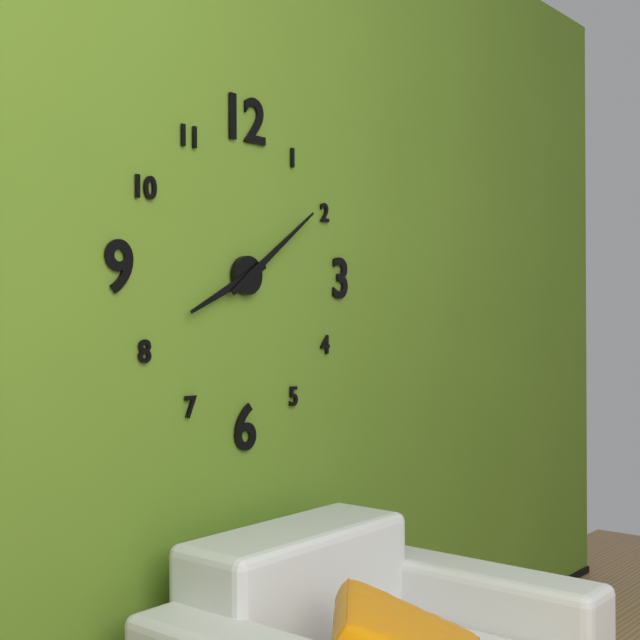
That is h=8 m=9
